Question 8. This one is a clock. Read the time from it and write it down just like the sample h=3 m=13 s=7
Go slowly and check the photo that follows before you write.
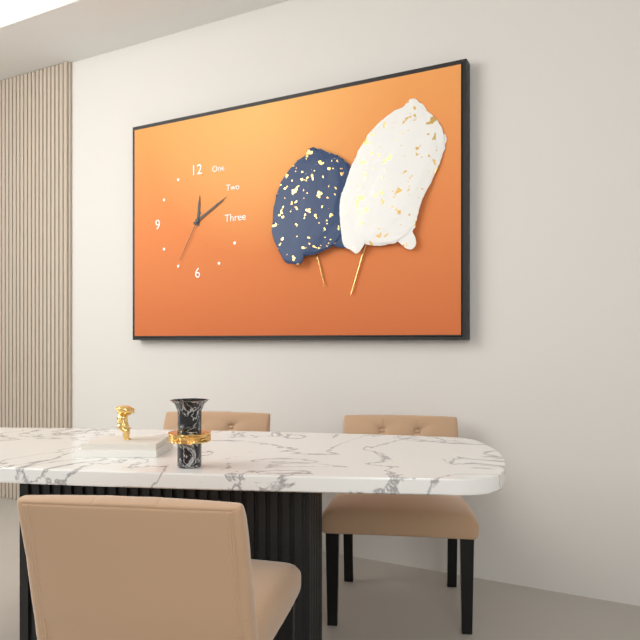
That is h=12 m=10 s=35
